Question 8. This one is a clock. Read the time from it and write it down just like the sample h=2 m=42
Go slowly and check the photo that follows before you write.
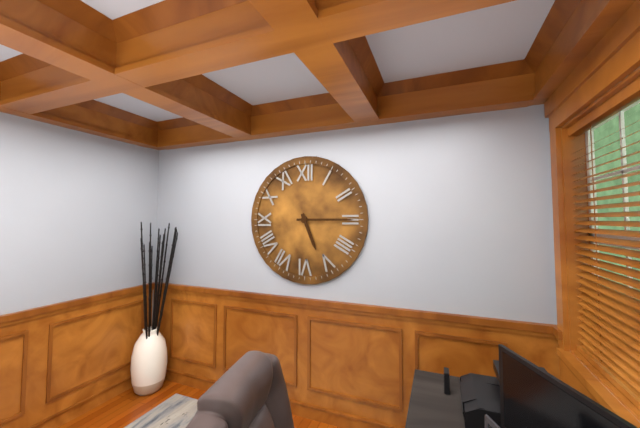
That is h=5 m=15
